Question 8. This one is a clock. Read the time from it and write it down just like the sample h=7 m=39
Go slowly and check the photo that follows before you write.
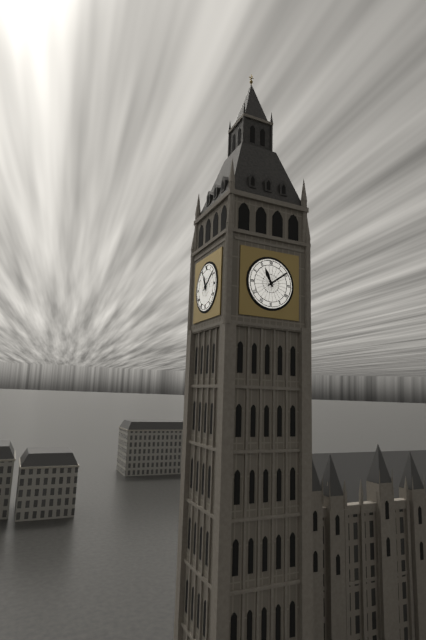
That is h=11 m=9
